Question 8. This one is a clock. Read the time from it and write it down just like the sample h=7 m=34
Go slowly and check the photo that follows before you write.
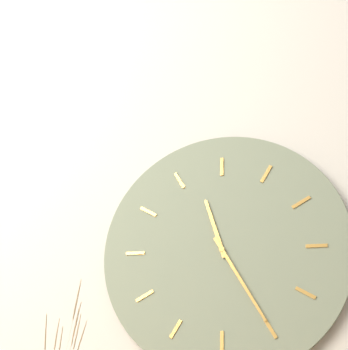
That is h=11 m=25
